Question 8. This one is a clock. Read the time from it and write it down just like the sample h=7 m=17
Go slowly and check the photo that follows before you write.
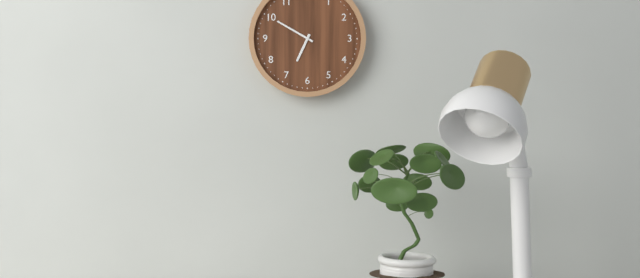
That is h=6 m=50
